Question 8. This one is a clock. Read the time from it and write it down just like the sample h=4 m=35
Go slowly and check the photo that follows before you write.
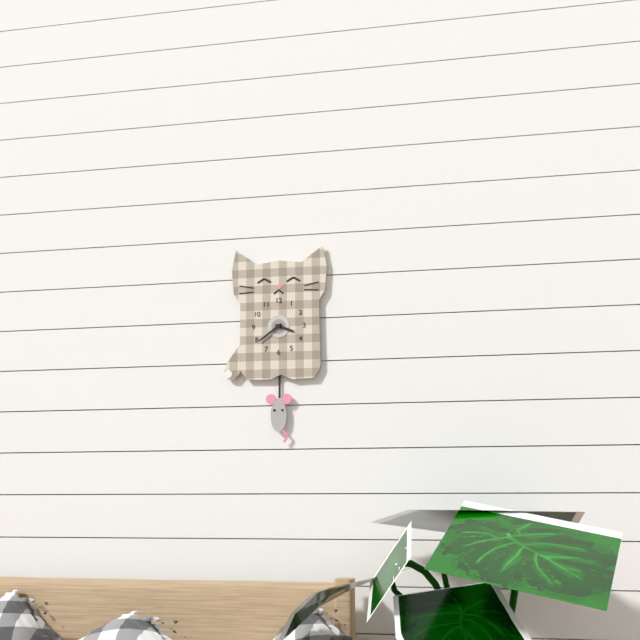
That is h=3 m=39
